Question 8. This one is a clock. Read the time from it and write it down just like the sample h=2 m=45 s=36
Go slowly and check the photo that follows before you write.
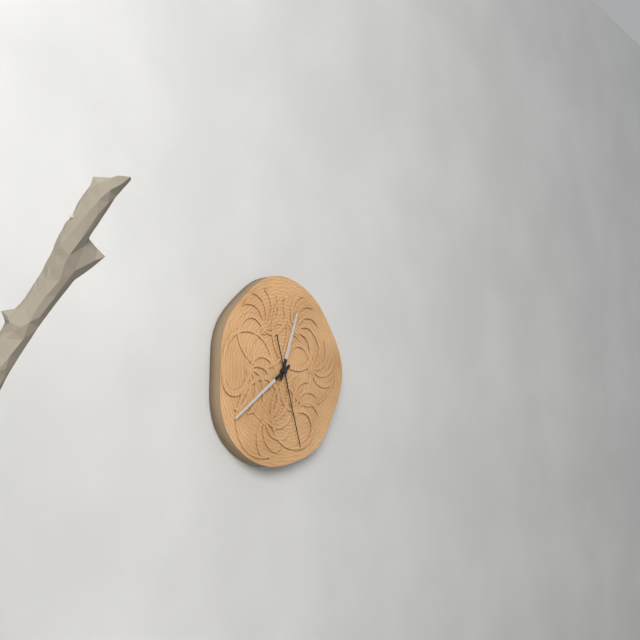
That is h=12 m=39 s=27
